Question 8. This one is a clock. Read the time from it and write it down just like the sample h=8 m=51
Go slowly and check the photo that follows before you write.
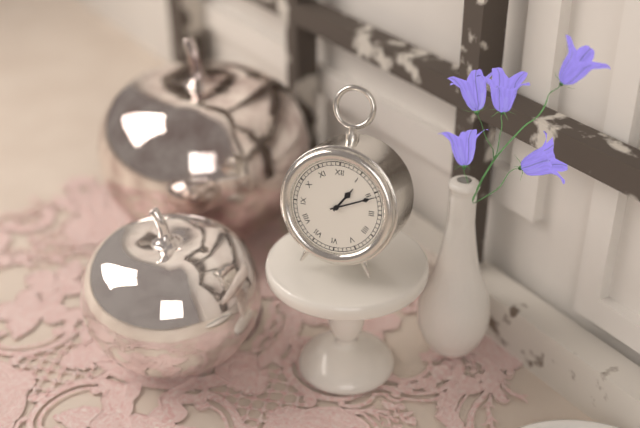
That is h=1 m=11
